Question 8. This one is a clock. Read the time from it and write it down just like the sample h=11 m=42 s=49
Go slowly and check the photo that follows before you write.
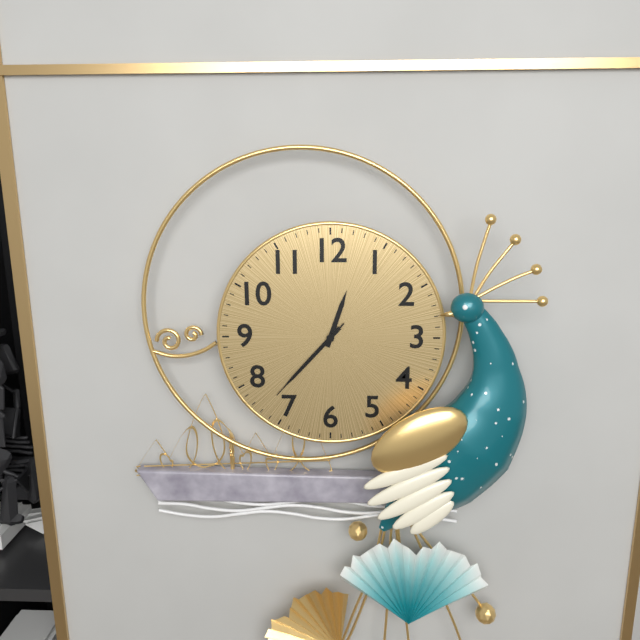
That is h=12 m=37 s=37
